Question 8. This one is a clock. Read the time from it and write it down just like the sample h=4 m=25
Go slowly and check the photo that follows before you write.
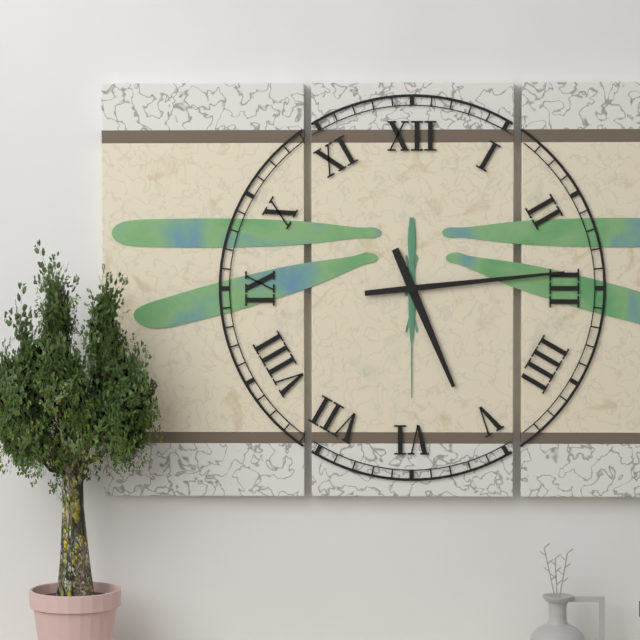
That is h=5 m=14
